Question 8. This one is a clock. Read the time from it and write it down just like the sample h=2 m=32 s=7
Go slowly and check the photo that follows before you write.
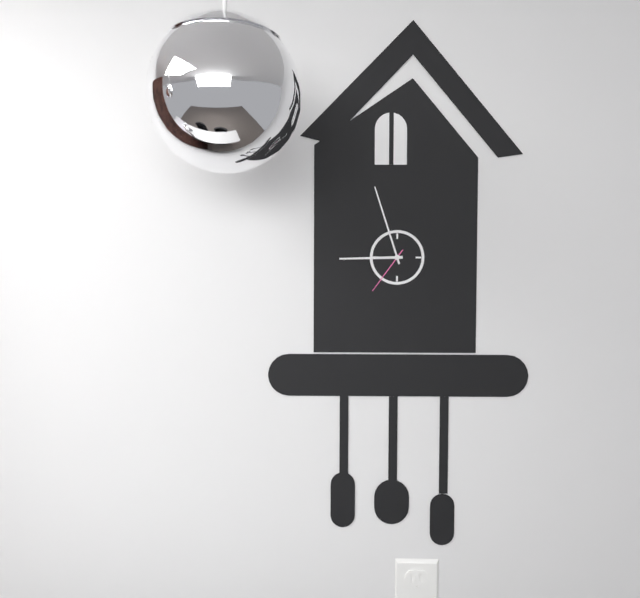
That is h=8 m=57 s=36
